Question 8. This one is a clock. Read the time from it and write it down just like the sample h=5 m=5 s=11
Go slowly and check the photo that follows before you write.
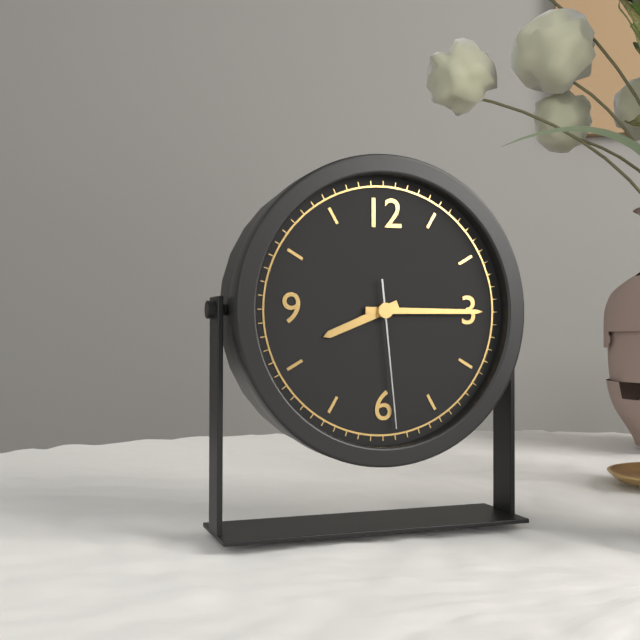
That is h=8 m=15 s=29
